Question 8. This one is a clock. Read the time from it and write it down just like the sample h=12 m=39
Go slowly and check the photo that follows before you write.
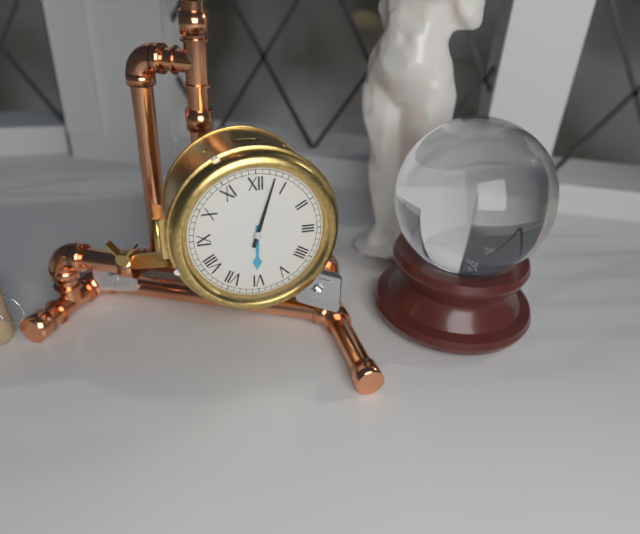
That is h=6 m=3
